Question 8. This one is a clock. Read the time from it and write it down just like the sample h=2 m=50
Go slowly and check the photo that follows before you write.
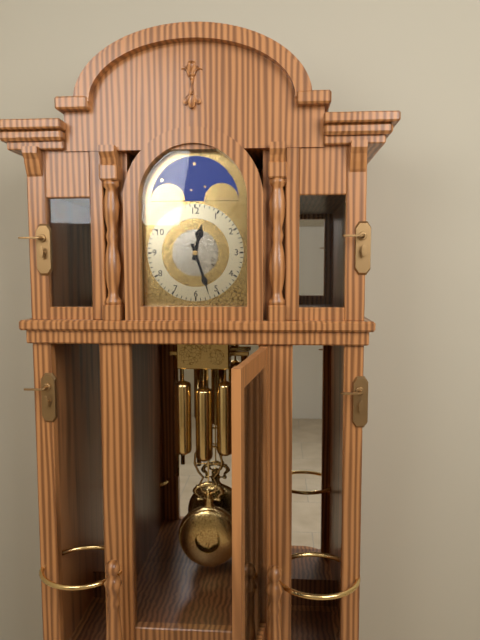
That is h=12 m=27
